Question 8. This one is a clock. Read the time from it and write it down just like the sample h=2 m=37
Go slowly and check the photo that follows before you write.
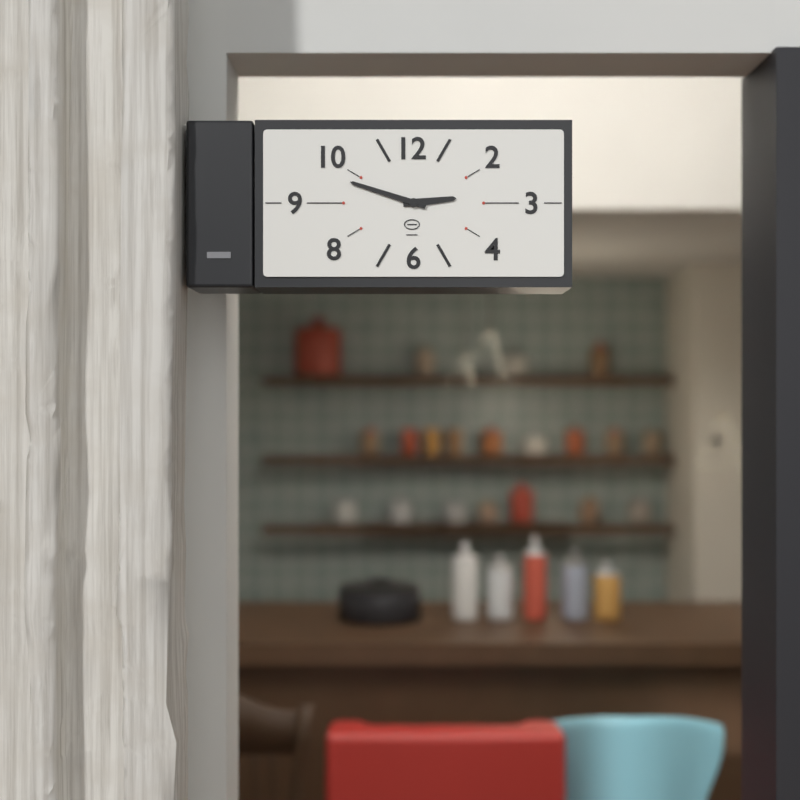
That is h=2 m=48
